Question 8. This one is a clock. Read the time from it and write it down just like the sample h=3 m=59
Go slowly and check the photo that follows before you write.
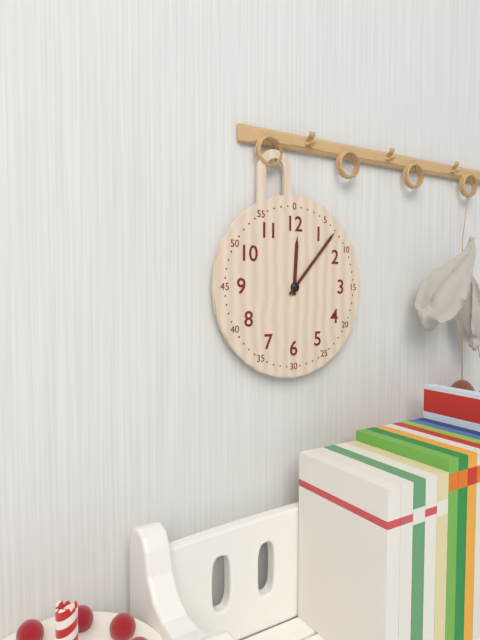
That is h=12 m=7
